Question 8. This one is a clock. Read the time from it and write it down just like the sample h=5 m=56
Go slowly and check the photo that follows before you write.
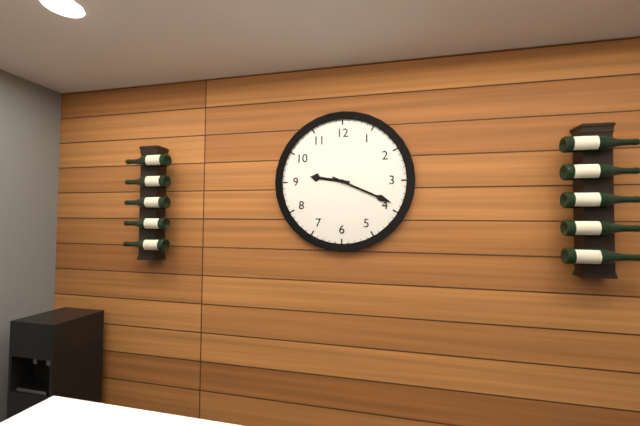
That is h=9 m=19
